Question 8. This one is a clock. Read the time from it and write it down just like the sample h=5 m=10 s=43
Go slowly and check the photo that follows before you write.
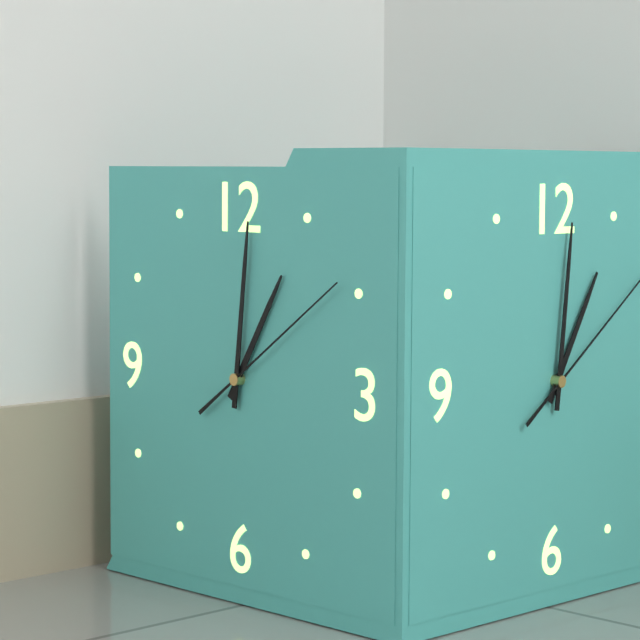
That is h=1 m=1 s=9
